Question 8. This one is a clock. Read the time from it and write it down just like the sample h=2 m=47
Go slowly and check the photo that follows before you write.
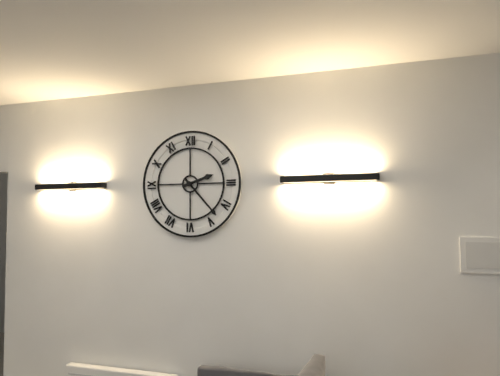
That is h=2 m=23
